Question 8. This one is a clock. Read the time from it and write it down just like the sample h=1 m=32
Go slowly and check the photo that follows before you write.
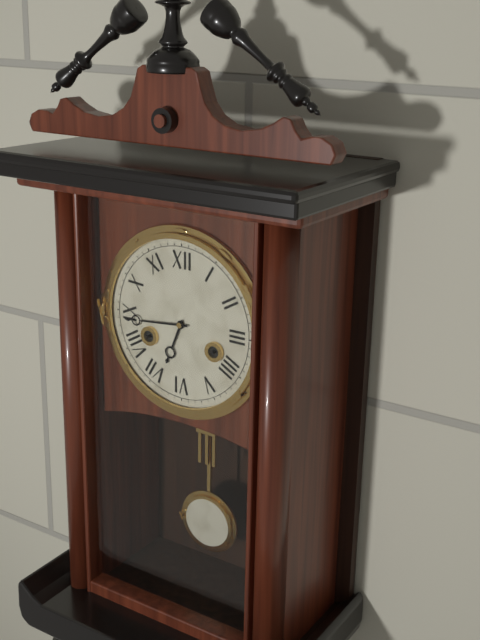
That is h=6 m=44
